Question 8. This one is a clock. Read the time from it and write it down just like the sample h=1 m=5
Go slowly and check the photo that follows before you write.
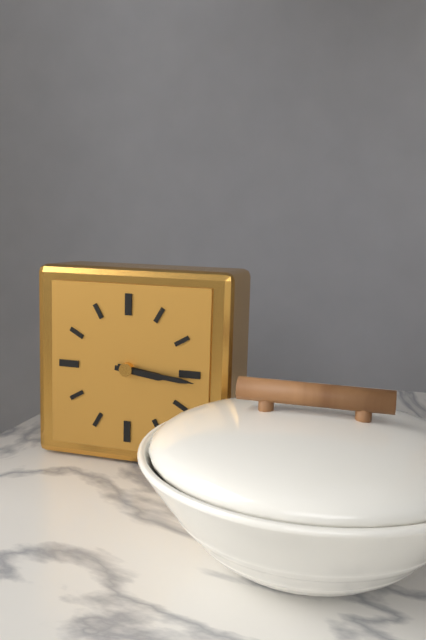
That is h=3 m=16
